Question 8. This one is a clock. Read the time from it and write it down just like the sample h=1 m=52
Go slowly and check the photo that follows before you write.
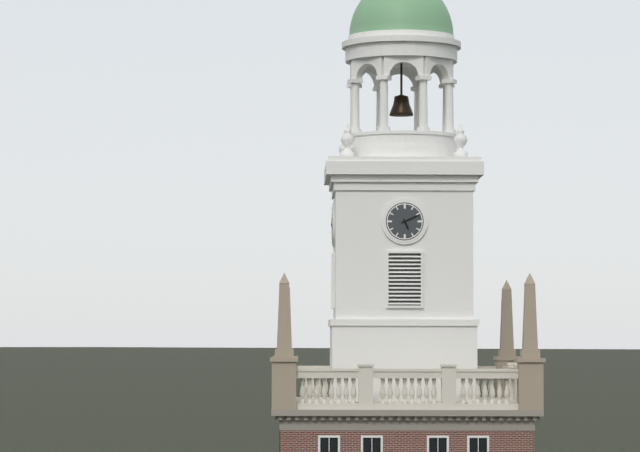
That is h=5 m=11
